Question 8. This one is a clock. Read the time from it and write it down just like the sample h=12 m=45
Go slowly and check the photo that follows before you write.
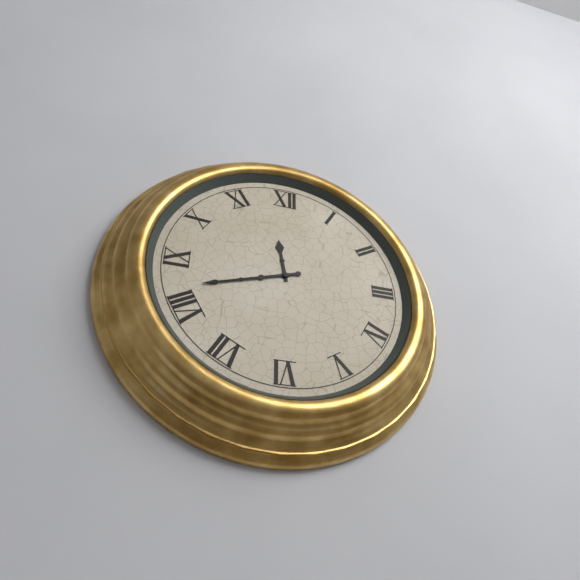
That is h=11 m=42
